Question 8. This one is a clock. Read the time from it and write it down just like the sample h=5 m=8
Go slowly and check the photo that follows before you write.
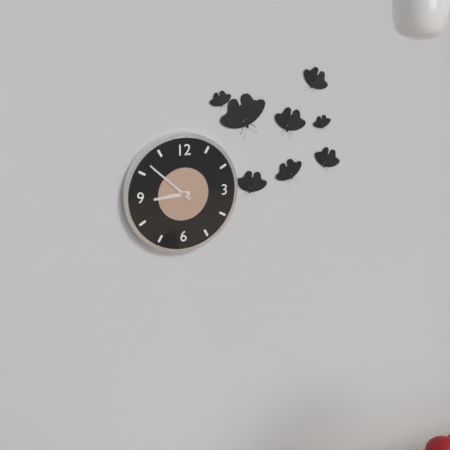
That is h=8 m=52
